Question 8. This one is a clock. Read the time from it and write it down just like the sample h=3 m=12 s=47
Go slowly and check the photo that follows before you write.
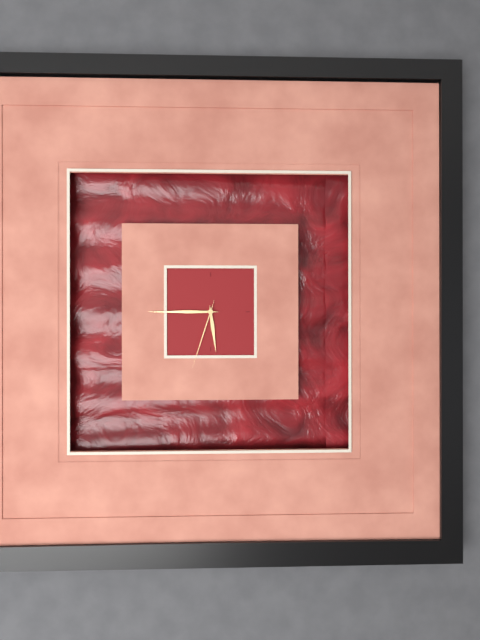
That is h=5 m=45 s=33
